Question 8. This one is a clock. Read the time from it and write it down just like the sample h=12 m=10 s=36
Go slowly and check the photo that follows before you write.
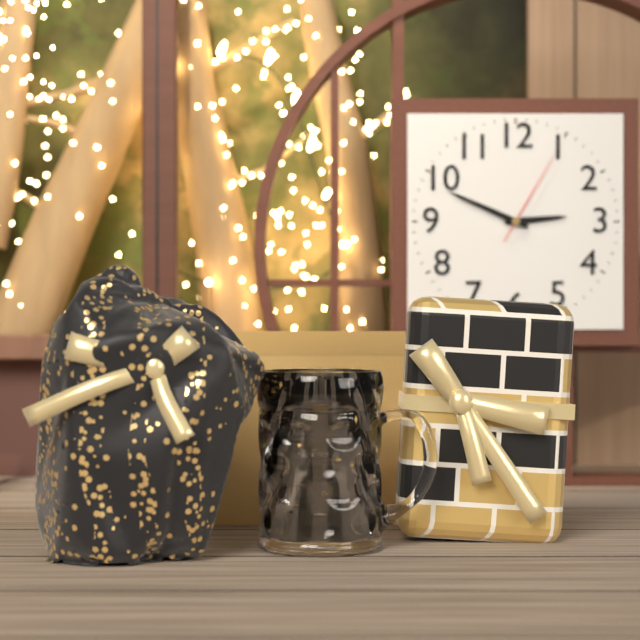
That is h=2 m=49 s=5
